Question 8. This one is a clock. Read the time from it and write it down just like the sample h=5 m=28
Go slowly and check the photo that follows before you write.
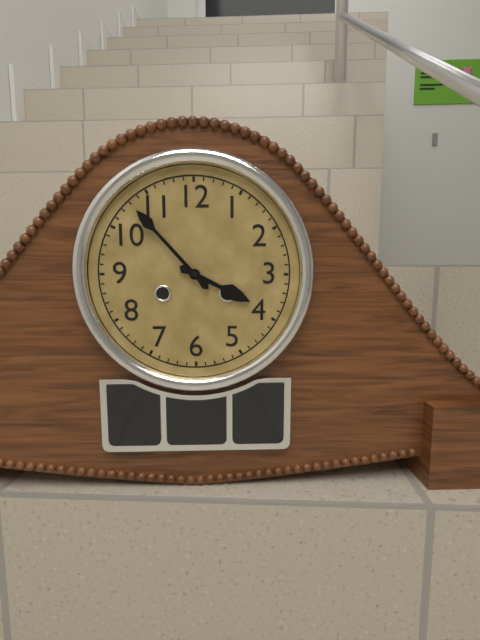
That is h=3 m=53
